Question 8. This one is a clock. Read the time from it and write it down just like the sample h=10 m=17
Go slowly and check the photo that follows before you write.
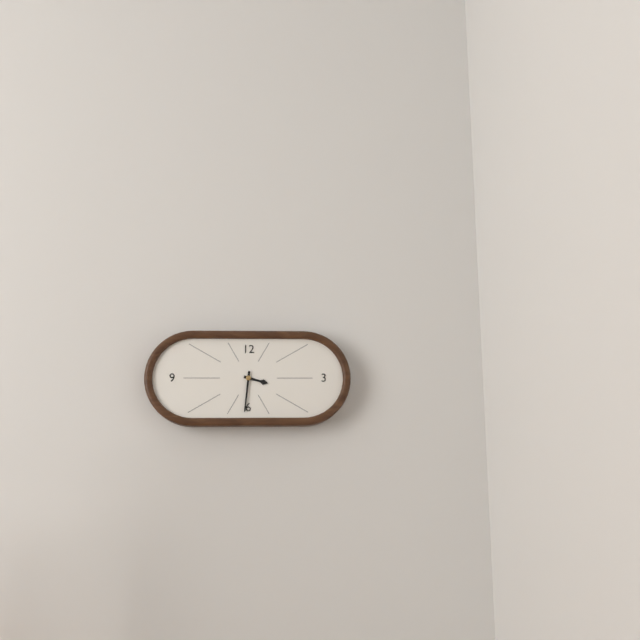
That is h=3 m=31
